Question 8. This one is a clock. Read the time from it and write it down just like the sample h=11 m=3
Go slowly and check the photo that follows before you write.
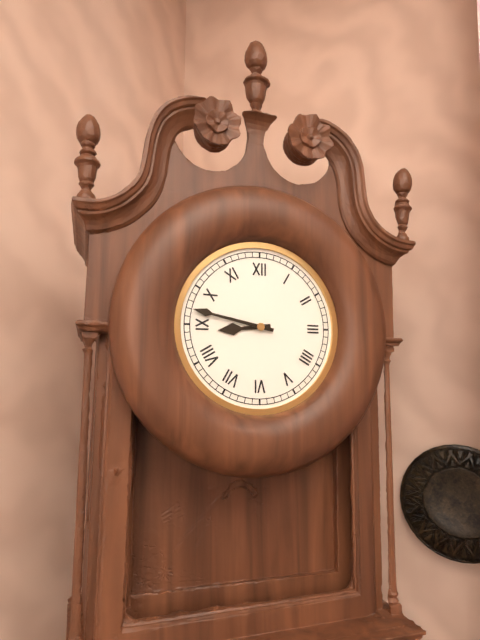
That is h=8 m=47
